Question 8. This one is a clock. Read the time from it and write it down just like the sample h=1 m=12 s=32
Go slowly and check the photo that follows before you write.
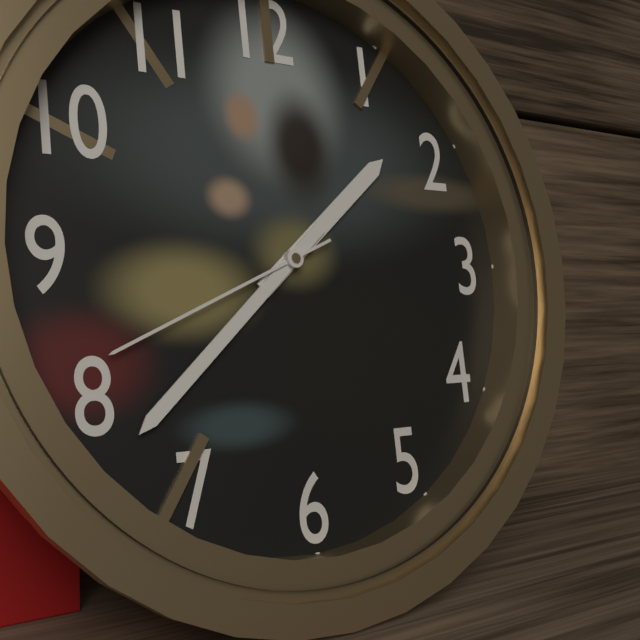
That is h=1 m=38 s=41
